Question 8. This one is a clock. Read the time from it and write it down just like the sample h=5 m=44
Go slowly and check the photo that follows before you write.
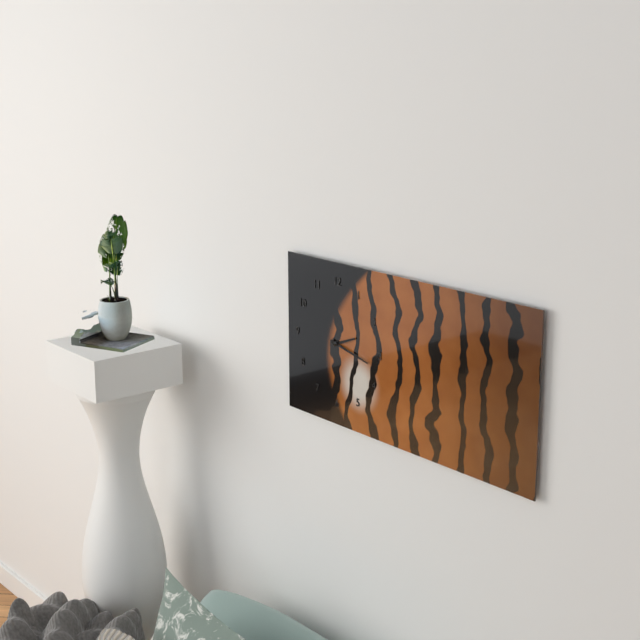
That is h=2 m=17
